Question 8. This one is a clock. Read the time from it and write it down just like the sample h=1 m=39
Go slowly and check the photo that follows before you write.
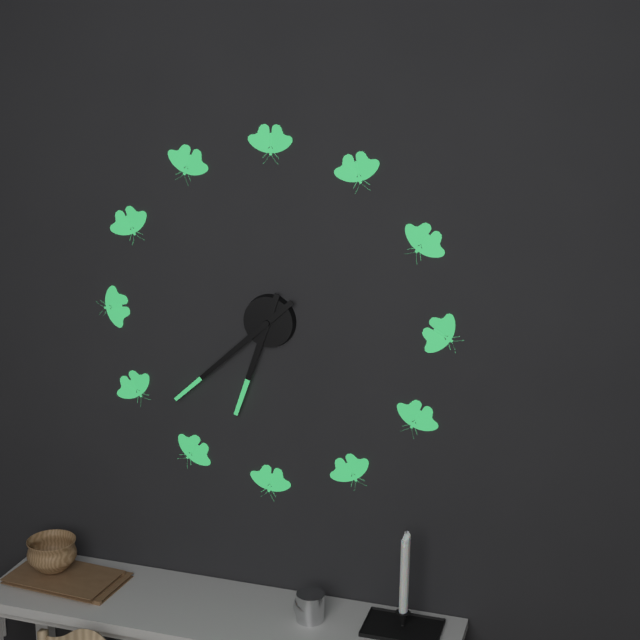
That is h=6 m=38
